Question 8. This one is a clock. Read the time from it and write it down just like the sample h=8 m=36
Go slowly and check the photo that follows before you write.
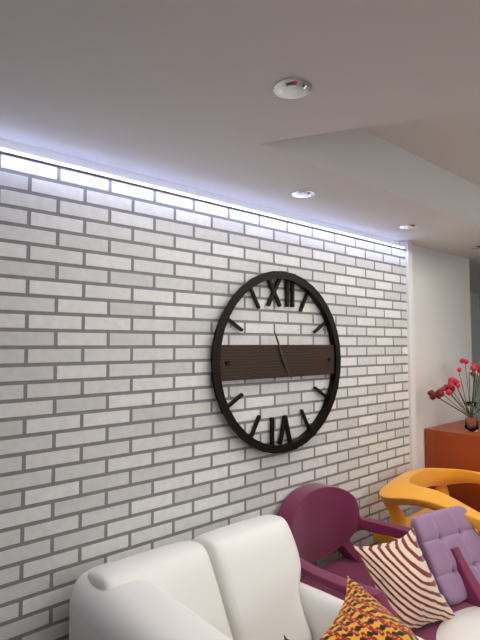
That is h=4 m=56
